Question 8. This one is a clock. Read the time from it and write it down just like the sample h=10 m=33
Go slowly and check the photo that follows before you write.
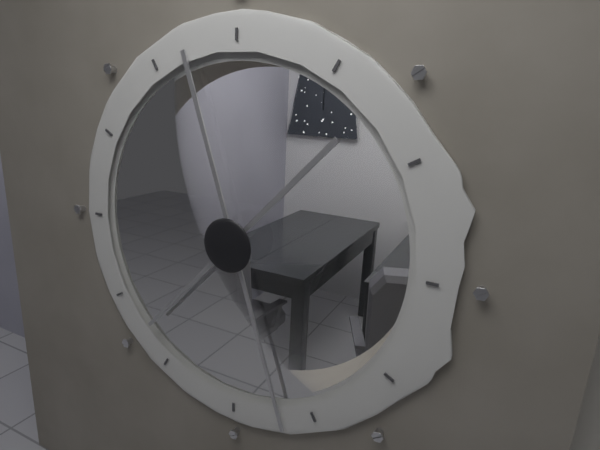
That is h=7 m=27
